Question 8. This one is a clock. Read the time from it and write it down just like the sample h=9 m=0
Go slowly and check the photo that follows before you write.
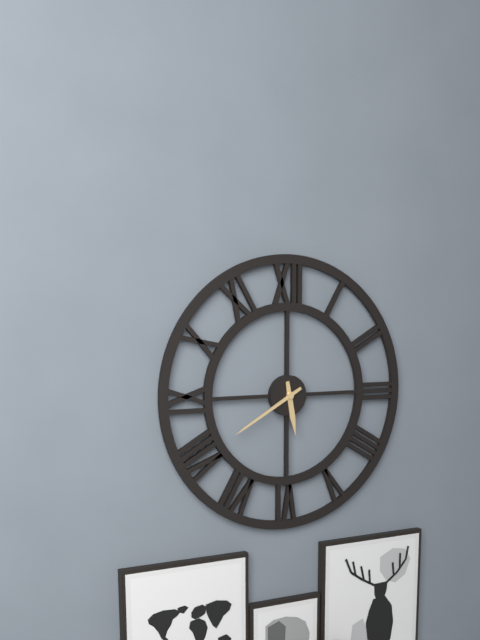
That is h=5 m=40
